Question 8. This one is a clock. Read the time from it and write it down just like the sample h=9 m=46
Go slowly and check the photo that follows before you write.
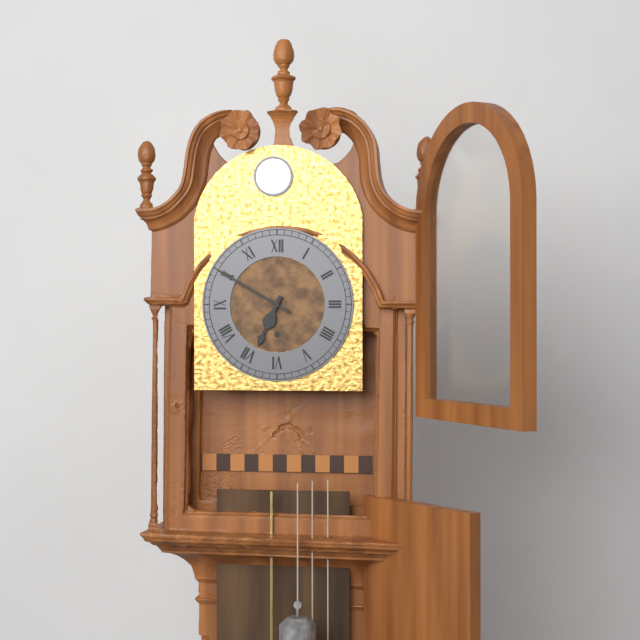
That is h=6 m=50
